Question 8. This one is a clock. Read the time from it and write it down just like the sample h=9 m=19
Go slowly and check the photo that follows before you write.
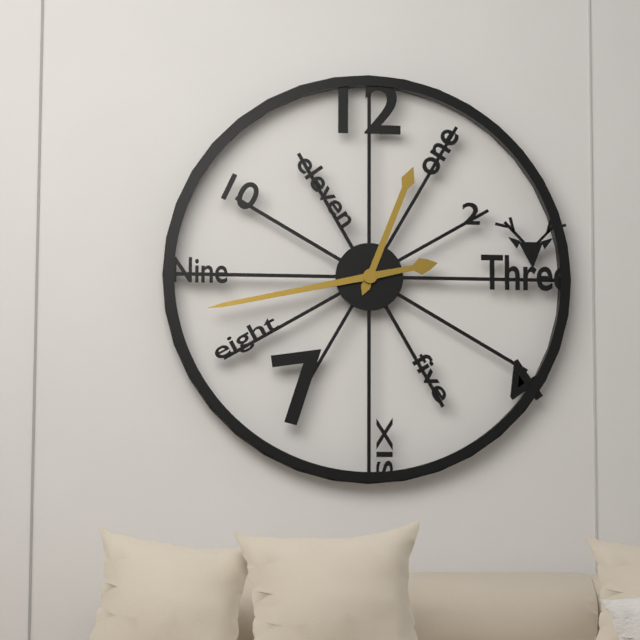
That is h=12 m=43
